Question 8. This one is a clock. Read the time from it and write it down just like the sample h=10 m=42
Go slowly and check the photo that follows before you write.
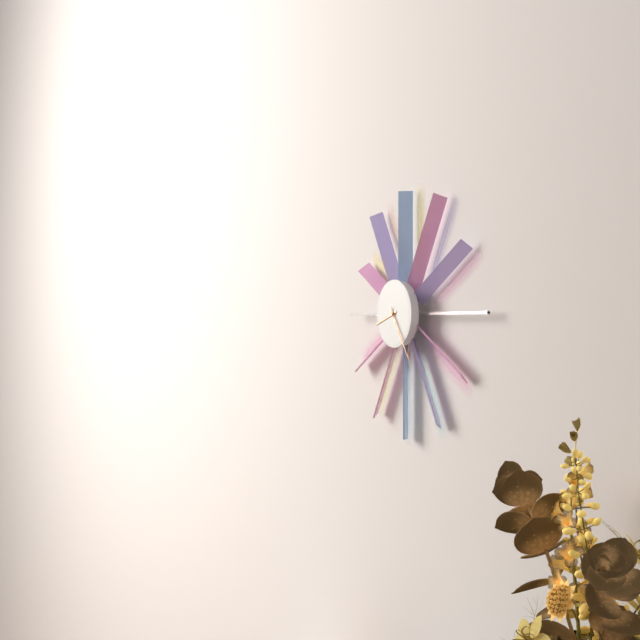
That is h=8 m=24
